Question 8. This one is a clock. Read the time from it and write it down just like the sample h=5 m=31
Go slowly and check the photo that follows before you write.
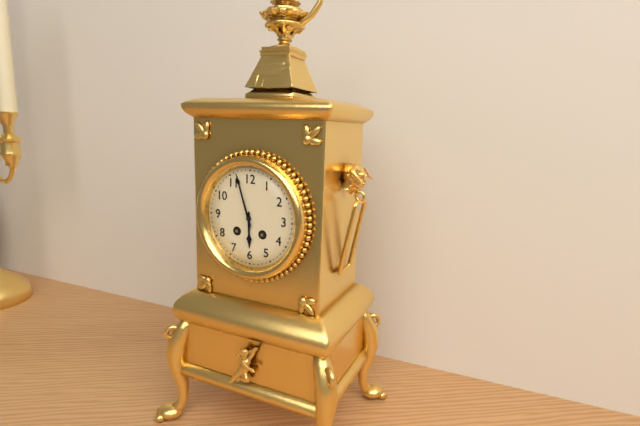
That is h=5 m=57
